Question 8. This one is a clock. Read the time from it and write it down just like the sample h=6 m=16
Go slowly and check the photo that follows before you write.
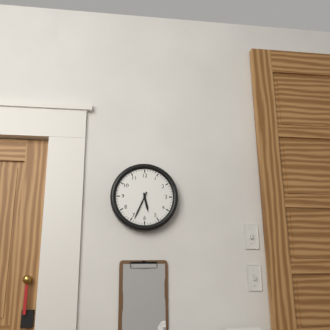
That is h=5 m=34
